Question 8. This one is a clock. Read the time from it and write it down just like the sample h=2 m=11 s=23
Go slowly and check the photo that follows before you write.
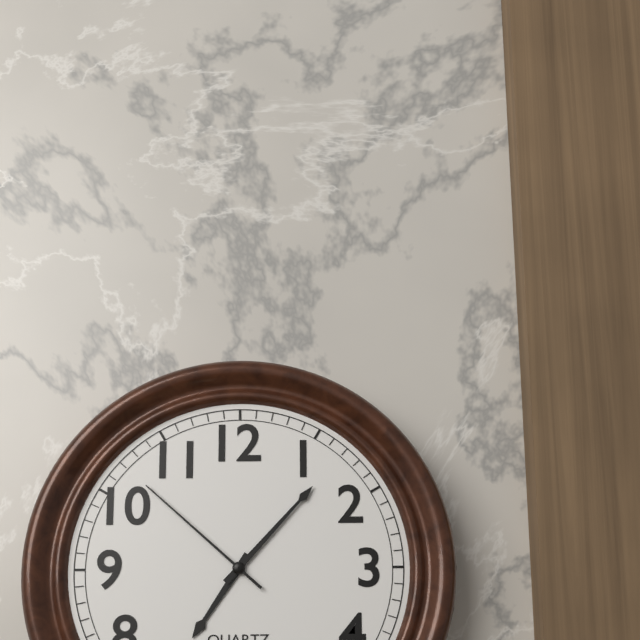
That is h=7 m=7 s=52
